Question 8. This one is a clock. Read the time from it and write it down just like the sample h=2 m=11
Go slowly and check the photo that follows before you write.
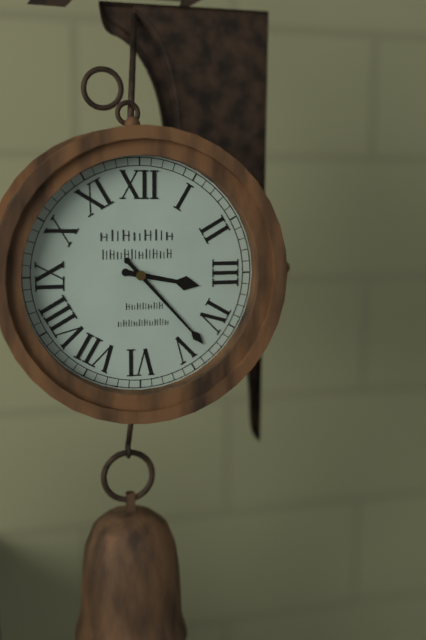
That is h=3 m=23
